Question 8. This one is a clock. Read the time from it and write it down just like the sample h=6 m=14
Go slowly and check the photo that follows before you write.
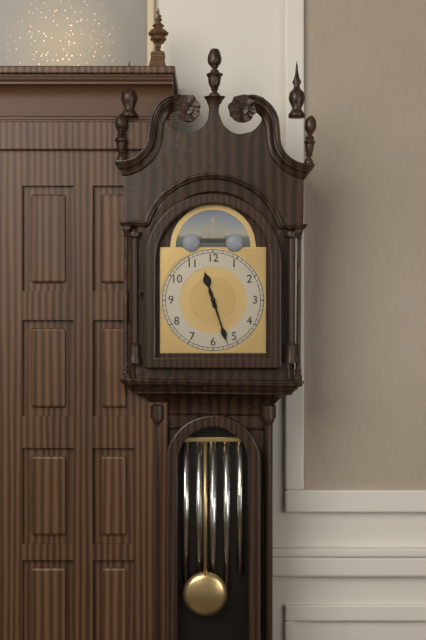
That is h=11 m=27
